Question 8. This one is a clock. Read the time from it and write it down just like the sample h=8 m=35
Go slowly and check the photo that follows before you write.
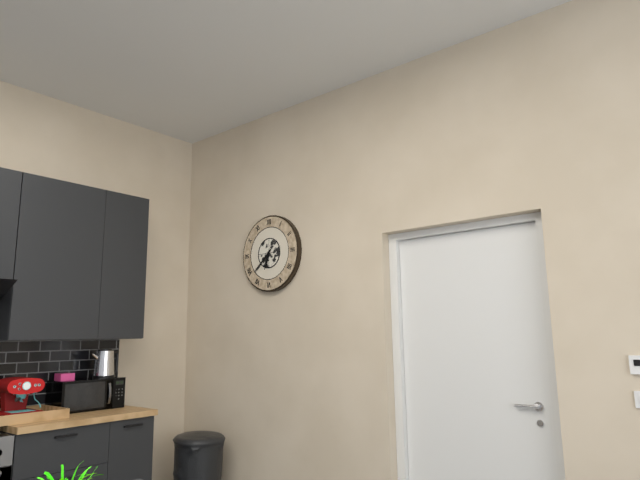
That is h=6 m=38
